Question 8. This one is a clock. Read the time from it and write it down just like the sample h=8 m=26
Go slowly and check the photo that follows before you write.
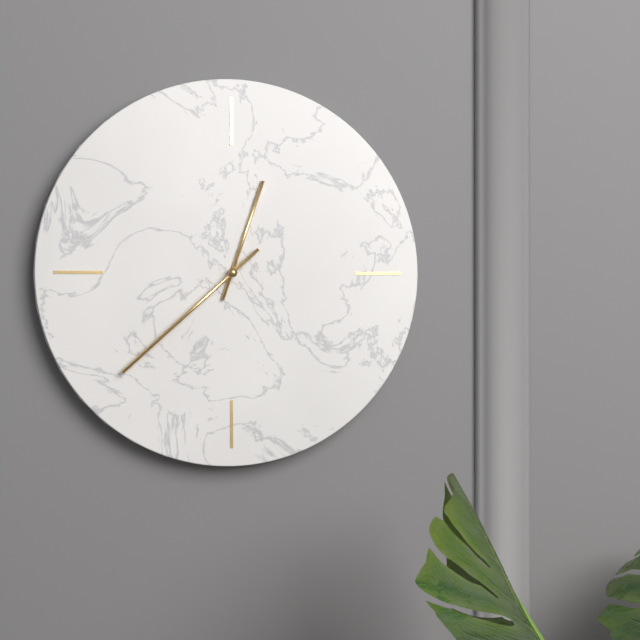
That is h=12 m=38
